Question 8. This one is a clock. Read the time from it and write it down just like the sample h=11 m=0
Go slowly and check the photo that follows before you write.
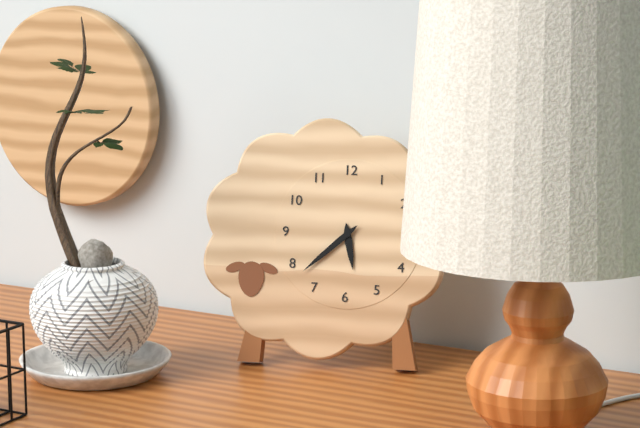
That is h=5 m=38
